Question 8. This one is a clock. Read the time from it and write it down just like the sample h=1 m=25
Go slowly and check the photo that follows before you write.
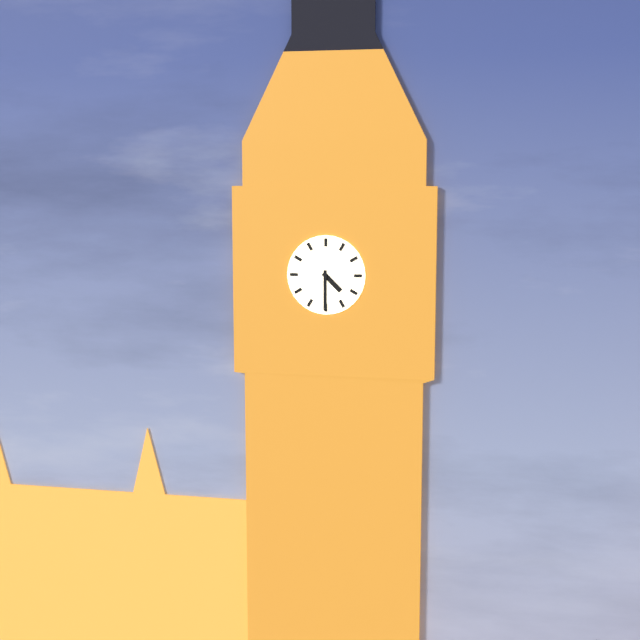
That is h=4 m=30
